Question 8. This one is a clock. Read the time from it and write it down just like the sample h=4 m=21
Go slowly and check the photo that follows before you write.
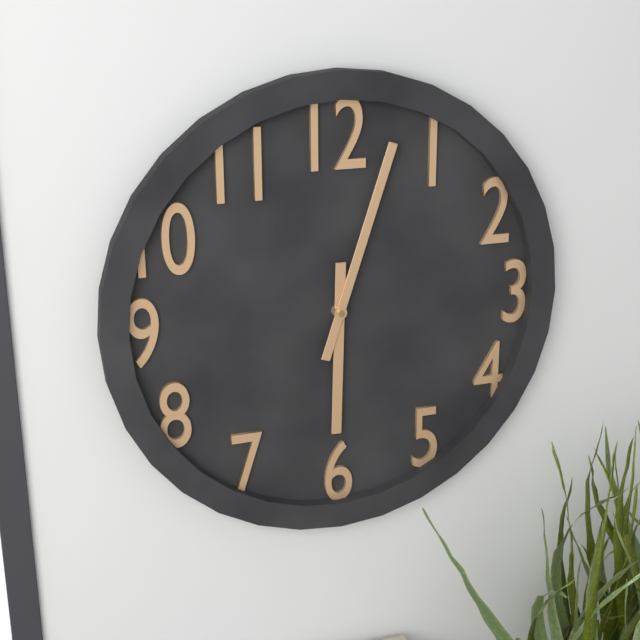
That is h=6 m=3
